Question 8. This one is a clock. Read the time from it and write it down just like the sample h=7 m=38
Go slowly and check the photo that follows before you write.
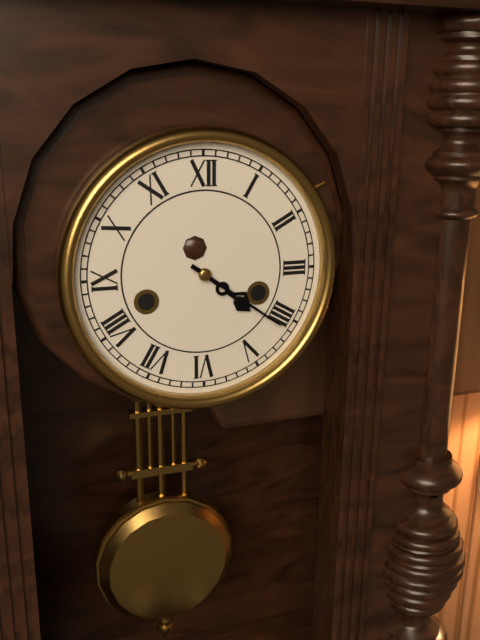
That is h=4 m=21
